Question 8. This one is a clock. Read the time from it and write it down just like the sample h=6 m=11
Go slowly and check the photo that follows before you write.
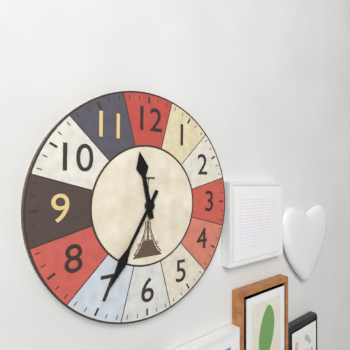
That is h=11 m=35
